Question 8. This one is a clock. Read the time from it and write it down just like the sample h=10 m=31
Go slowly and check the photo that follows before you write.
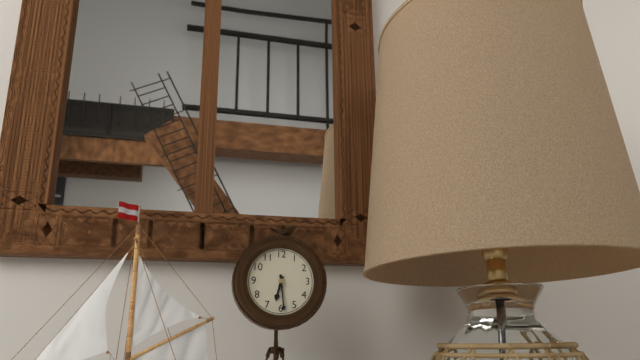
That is h=6 m=29
